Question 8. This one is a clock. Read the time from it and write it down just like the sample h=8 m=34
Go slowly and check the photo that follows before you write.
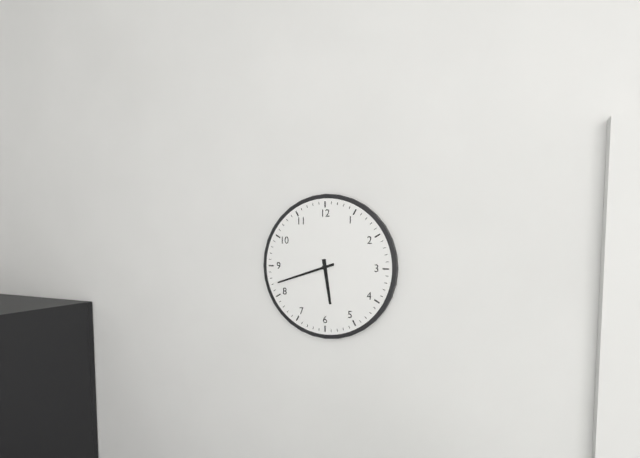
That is h=5 m=42
